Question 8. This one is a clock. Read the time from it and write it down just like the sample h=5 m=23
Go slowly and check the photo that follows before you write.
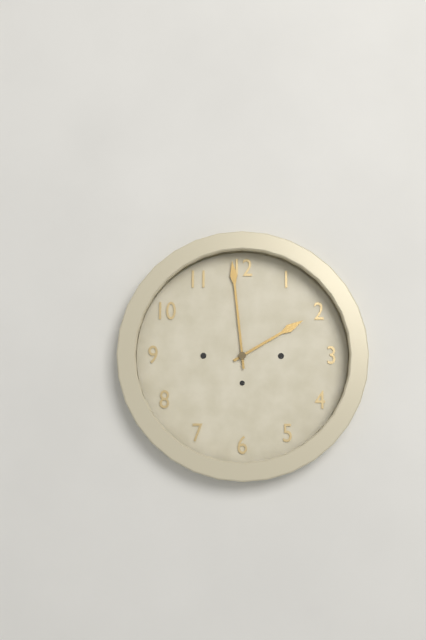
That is h=1 m=59
